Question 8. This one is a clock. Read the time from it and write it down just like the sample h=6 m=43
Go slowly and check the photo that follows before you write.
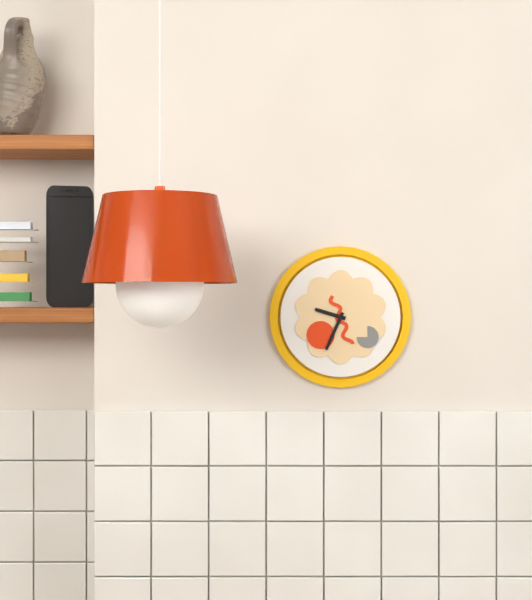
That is h=9 m=34
